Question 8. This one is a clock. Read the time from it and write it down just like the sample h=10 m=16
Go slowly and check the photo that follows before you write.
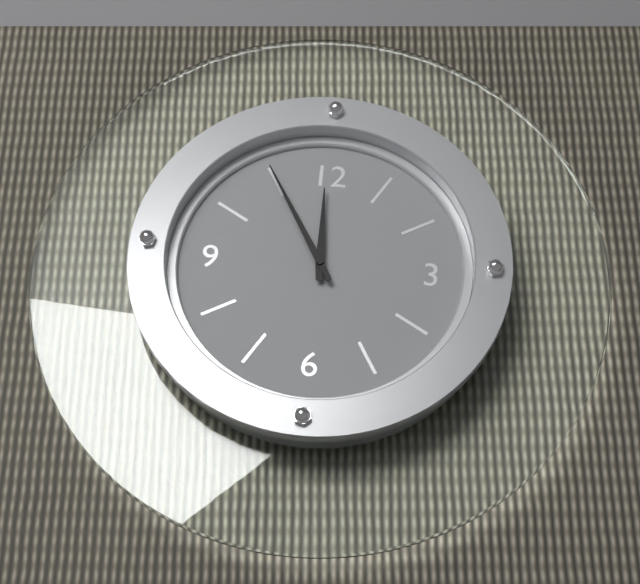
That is h=11 m=55
